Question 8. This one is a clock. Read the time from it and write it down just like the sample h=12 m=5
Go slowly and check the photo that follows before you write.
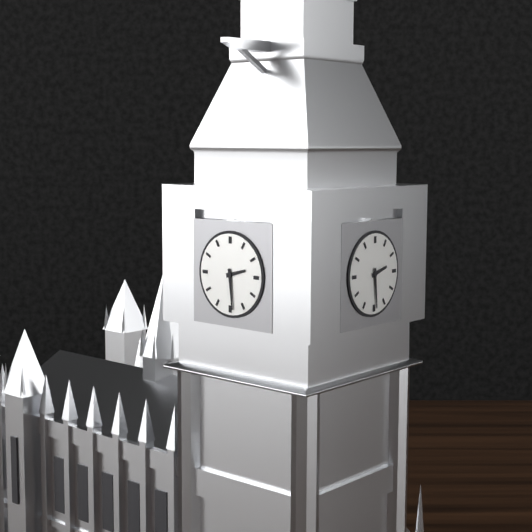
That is h=2 m=29
